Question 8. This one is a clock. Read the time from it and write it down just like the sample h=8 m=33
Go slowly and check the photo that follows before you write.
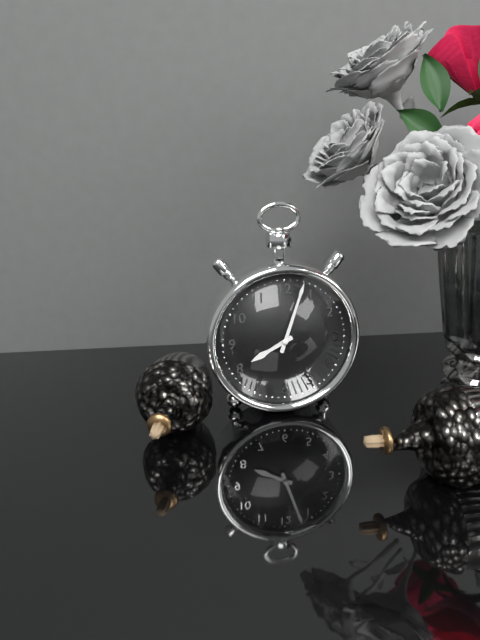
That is h=8 m=3
